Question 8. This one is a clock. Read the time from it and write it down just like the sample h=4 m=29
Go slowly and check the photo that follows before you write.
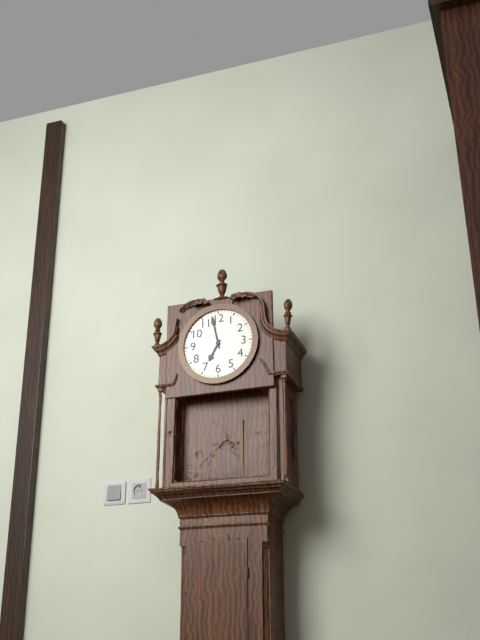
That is h=6 m=58
